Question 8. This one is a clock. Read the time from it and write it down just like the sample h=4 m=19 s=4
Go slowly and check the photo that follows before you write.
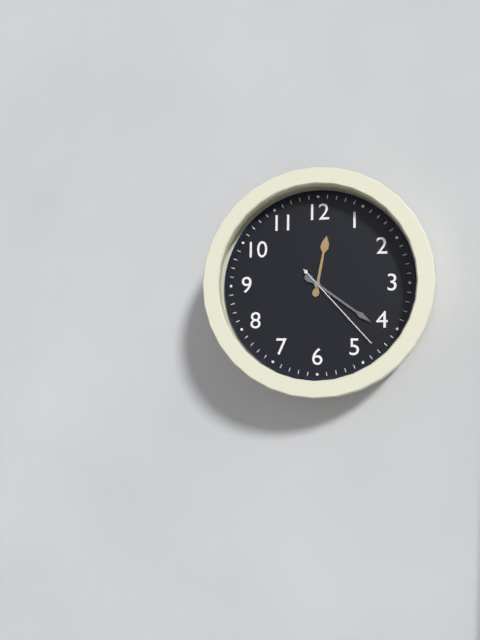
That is h=12 m=21 s=23
